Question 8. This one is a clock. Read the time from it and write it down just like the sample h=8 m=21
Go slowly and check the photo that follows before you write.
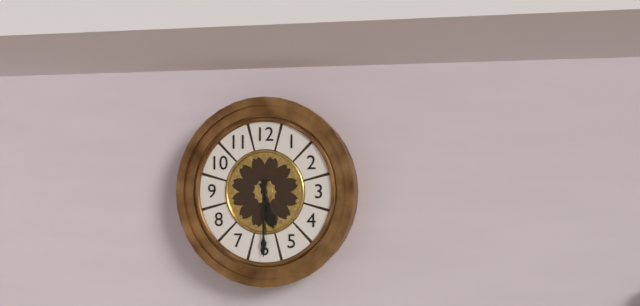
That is h=5 m=30
